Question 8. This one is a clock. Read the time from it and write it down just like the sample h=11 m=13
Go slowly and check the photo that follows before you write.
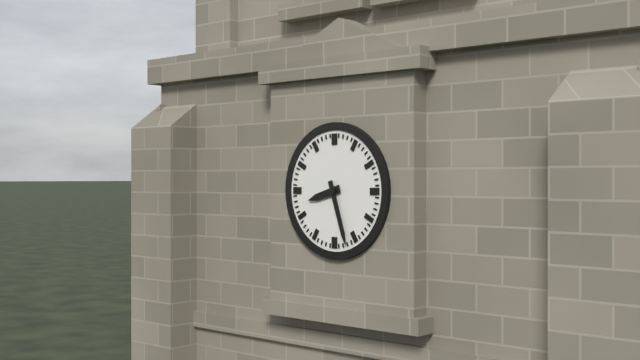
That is h=8 m=27
